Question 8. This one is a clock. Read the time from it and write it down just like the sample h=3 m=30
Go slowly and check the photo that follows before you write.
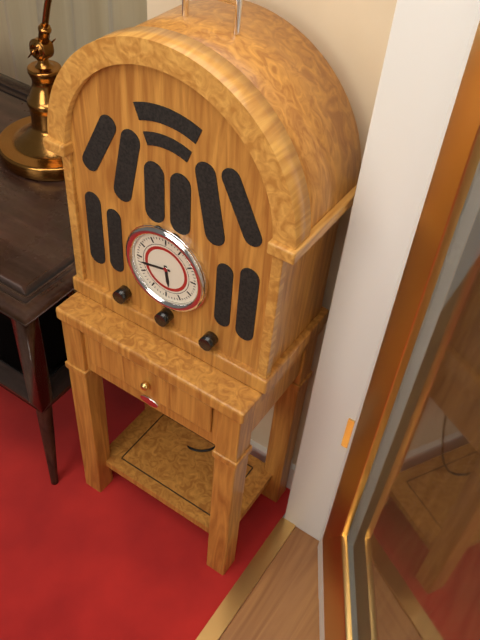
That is h=5 m=43
